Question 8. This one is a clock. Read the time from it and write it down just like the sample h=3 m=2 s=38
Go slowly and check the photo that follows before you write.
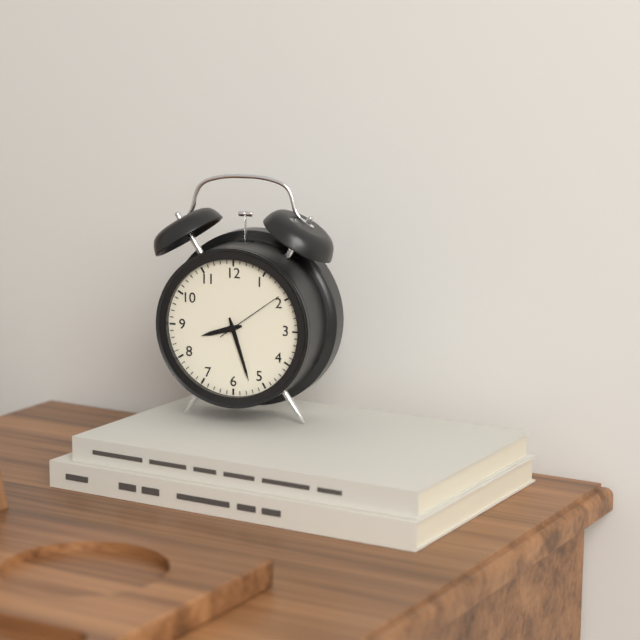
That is h=8 m=27 s=9
